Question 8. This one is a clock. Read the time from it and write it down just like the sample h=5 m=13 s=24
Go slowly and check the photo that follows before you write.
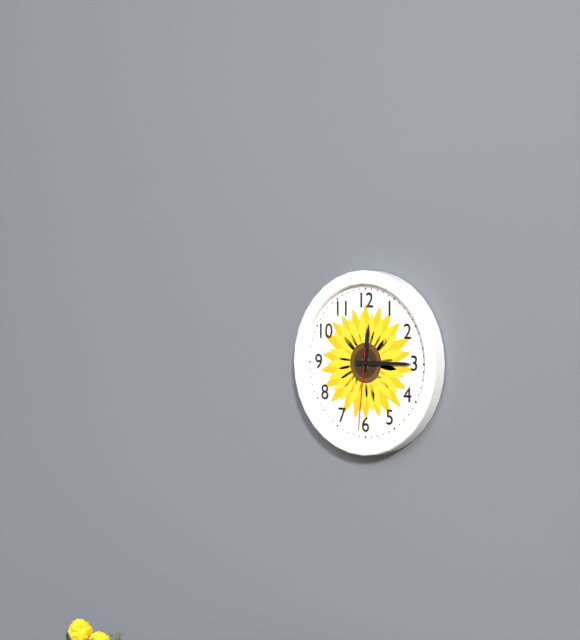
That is h=12 m=15 s=31
